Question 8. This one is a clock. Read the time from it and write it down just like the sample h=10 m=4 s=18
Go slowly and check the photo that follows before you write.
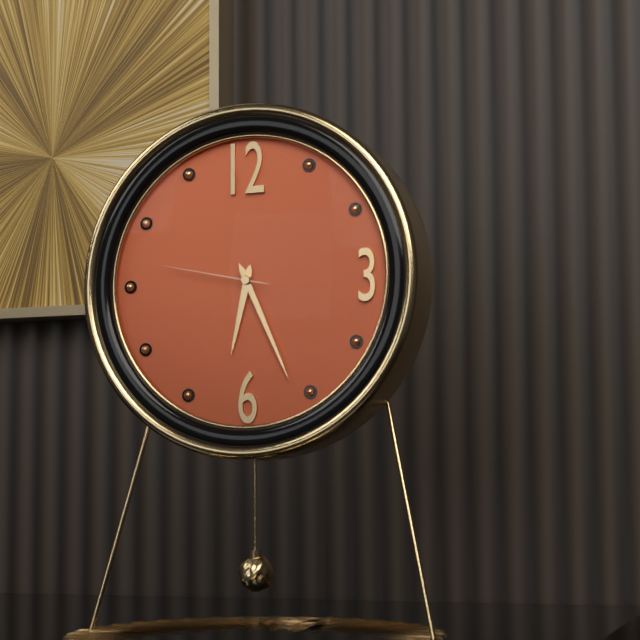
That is h=6 m=26 s=47
